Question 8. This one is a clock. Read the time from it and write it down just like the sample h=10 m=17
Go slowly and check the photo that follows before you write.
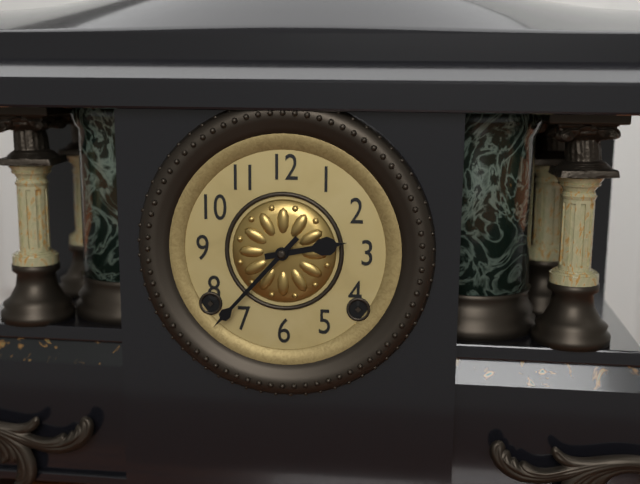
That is h=2 m=37
